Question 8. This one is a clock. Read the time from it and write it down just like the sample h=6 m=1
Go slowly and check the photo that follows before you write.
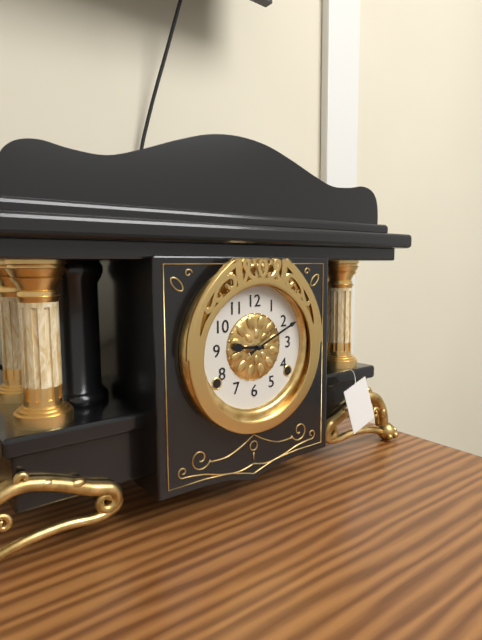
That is h=9 m=11
